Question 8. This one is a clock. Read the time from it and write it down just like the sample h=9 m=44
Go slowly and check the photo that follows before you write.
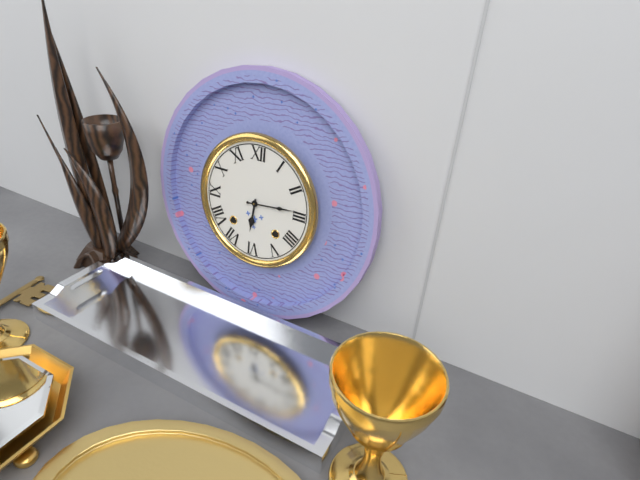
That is h=6 m=14
